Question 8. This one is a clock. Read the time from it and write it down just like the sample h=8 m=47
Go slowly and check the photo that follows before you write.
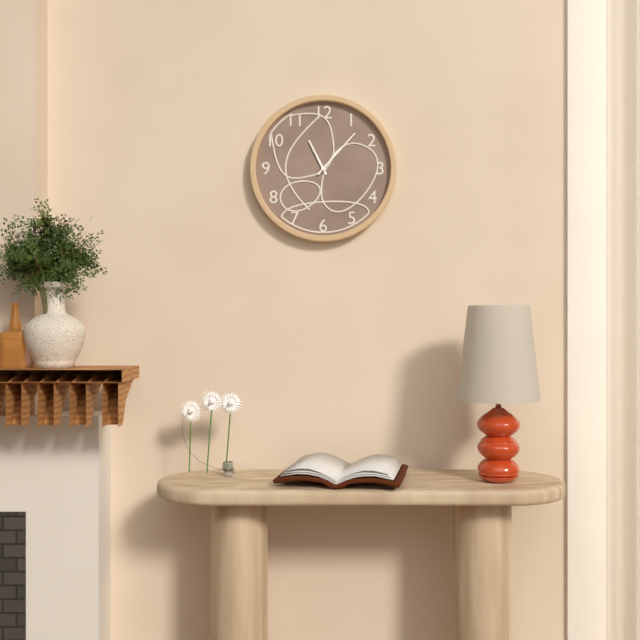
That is h=11 m=7
